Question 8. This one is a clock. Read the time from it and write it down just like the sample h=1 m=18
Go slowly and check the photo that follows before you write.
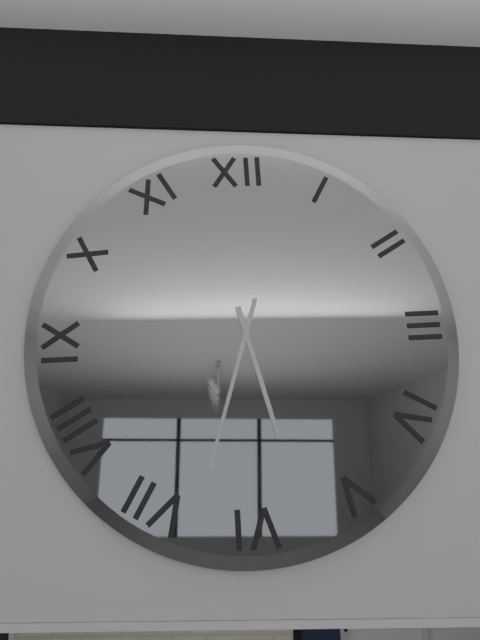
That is h=5 m=33
